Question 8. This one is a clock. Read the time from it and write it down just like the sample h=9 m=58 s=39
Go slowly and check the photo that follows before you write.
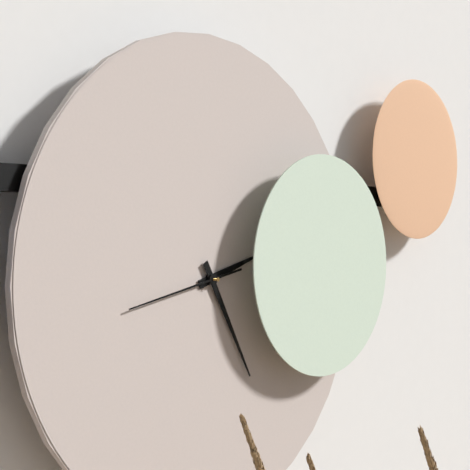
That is h=2 m=25 s=43
